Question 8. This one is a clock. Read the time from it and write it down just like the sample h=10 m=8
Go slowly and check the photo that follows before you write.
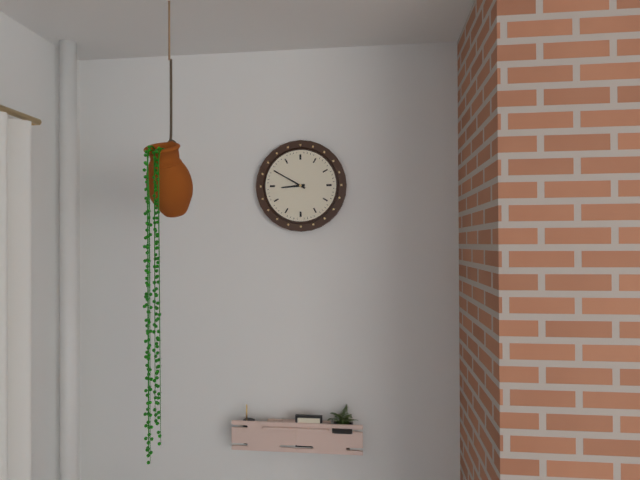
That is h=8 m=50
